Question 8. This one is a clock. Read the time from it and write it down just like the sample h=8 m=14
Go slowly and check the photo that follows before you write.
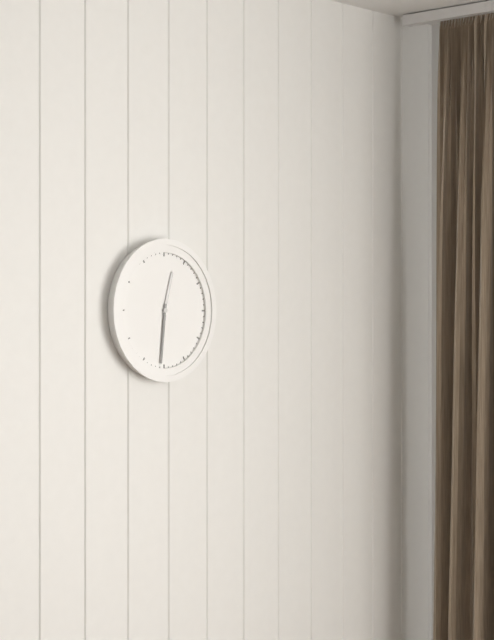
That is h=12 m=31
